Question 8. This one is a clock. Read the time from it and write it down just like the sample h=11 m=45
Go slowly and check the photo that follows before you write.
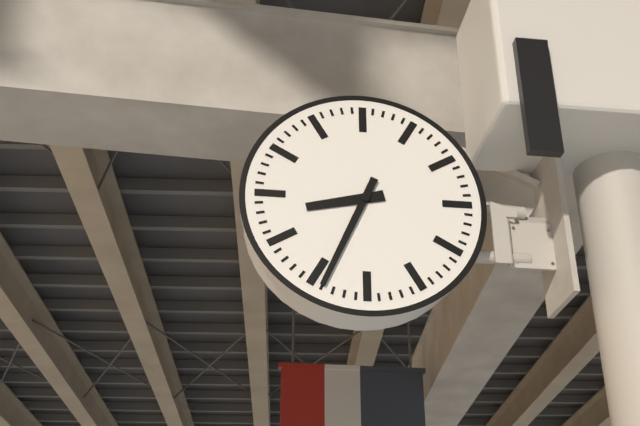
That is h=8 m=34
